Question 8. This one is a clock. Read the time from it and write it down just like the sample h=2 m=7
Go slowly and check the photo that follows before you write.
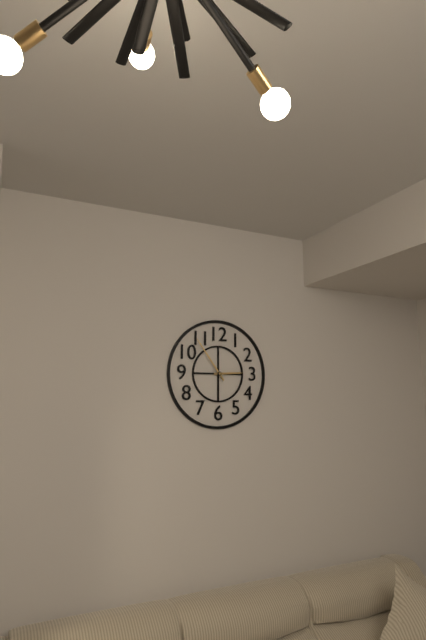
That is h=2 m=54
